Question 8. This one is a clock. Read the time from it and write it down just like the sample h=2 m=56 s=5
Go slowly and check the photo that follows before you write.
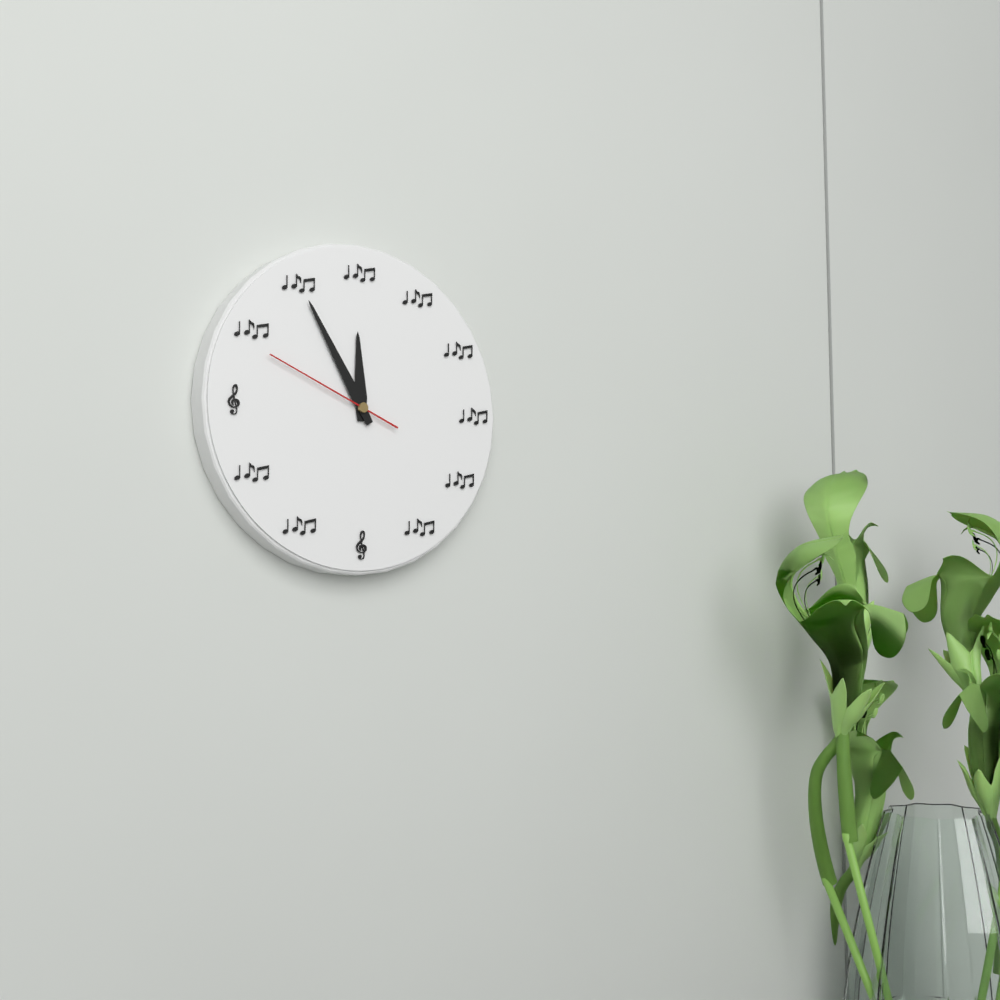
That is h=11 m=55 s=49
